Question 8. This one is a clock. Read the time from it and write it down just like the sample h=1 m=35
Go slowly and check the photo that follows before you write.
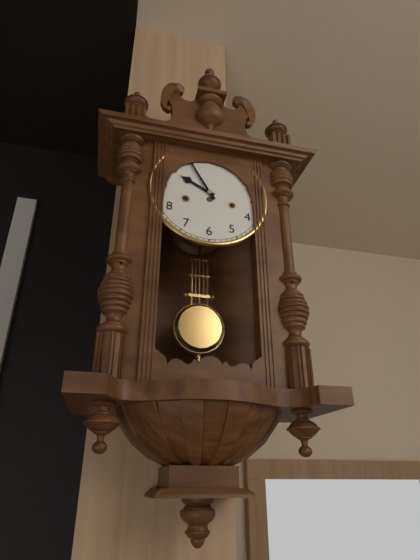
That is h=9 m=55
